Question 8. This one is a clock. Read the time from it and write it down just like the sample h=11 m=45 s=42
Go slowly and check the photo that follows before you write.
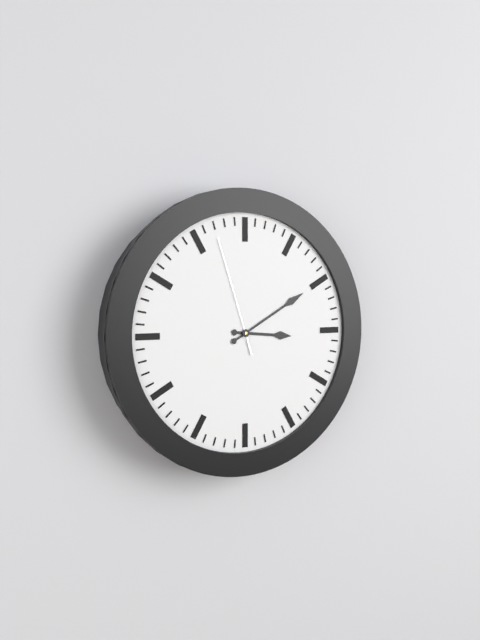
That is h=3 m=10 s=57
